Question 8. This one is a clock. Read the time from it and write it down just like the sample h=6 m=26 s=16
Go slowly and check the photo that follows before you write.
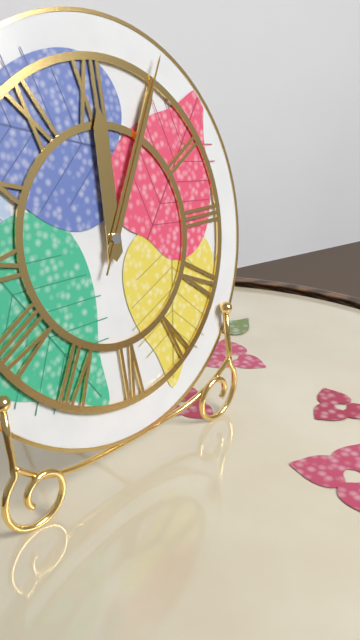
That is h=12 m=5 s=5
